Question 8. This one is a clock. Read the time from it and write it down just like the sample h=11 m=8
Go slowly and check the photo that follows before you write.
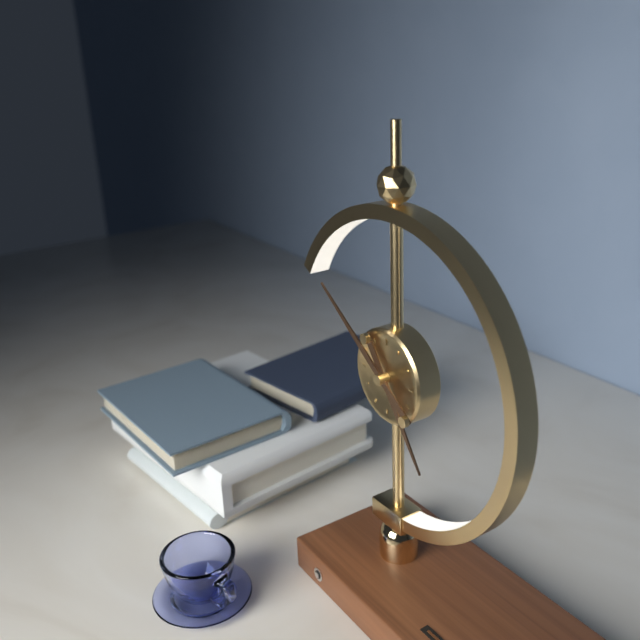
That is h=4 m=51
